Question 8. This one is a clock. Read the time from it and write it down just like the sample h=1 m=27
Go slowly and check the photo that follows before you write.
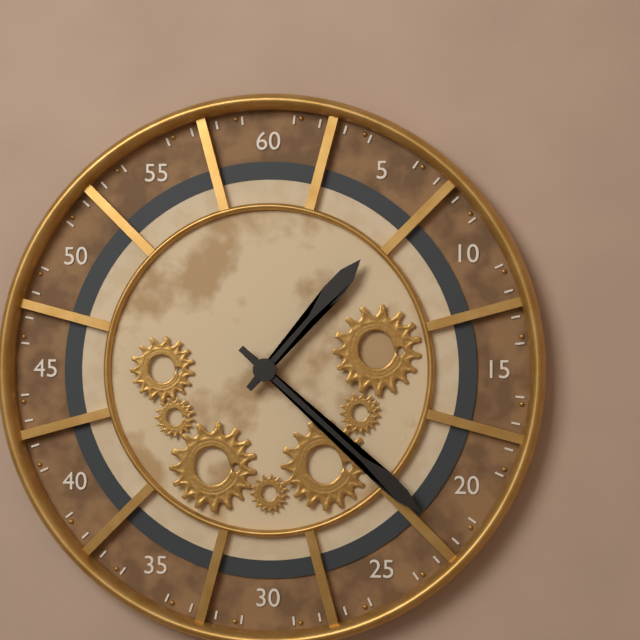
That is h=1 m=22
